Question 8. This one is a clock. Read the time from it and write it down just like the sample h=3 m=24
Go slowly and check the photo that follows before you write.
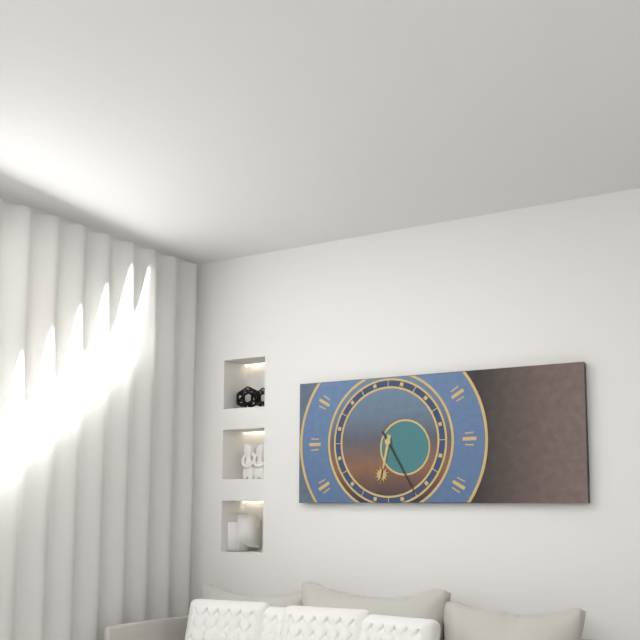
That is h=6 m=25
